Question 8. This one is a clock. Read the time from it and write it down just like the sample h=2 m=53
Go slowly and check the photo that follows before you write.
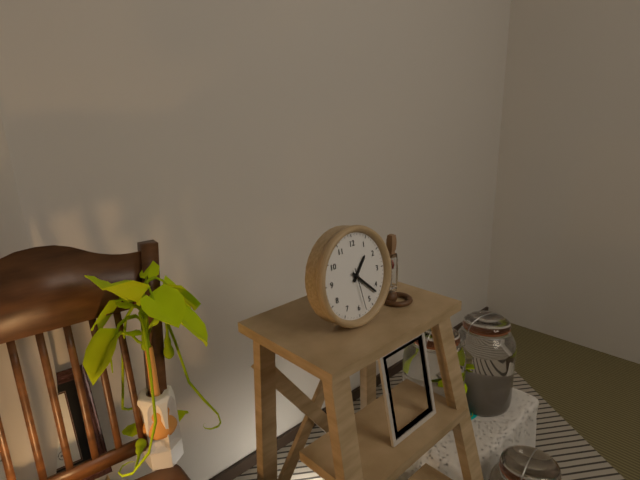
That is h=1 m=22
